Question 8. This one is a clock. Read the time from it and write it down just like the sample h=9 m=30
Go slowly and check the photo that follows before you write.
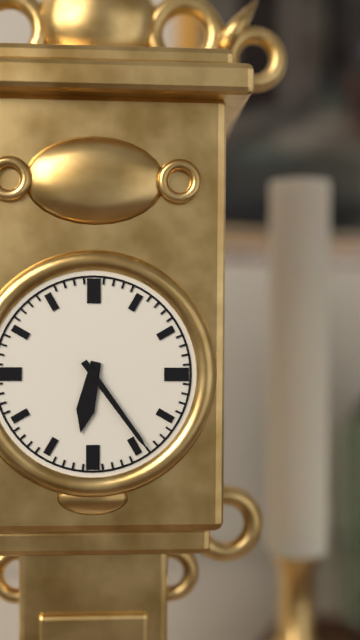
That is h=6 m=24
